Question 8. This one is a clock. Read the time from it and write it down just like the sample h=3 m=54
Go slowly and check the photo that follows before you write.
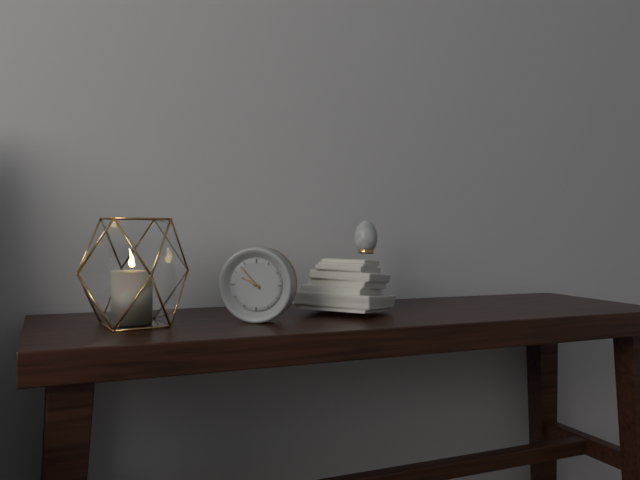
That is h=9 m=53
